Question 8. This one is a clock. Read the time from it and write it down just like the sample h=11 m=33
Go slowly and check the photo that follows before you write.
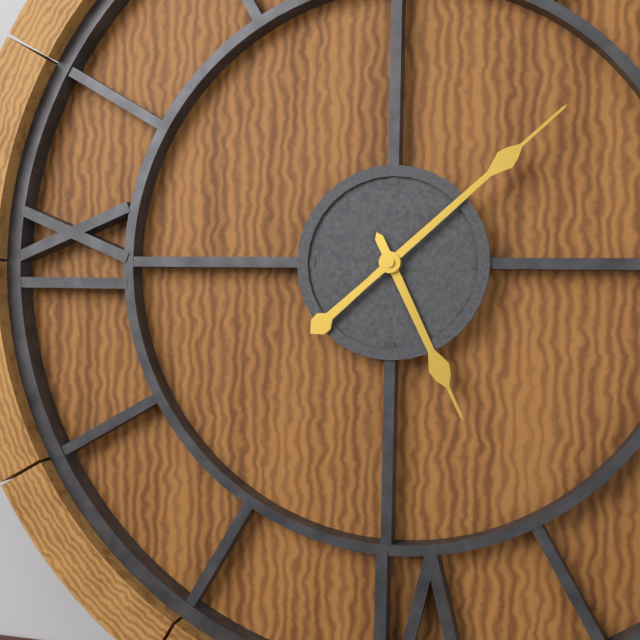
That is h=5 m=8
